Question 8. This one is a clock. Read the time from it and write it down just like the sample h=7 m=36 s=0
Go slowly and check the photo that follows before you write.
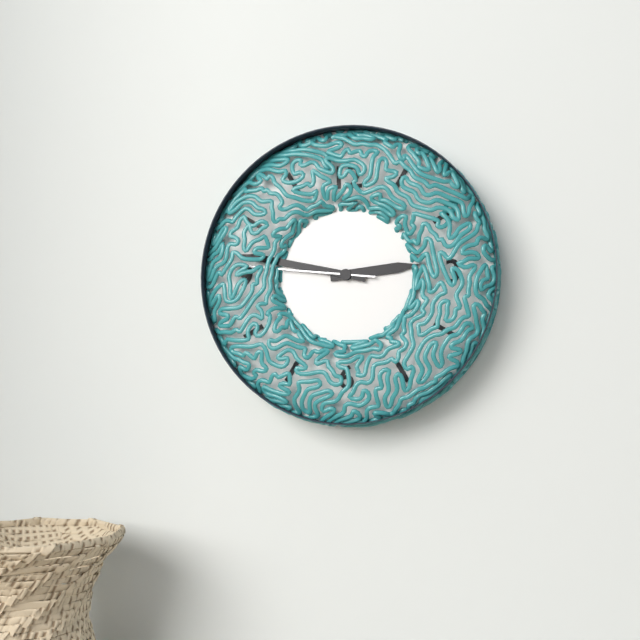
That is h=2 m=47 s=46
